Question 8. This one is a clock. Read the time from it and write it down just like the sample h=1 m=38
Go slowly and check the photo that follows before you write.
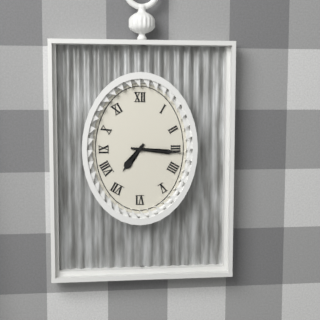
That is h=7 m=16
